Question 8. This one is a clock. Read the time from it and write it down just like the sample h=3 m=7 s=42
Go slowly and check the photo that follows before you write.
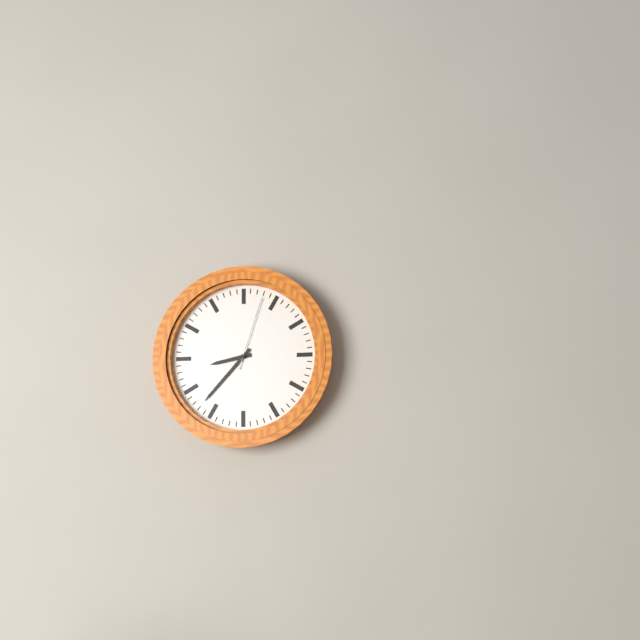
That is h=8 m=37 s=3
